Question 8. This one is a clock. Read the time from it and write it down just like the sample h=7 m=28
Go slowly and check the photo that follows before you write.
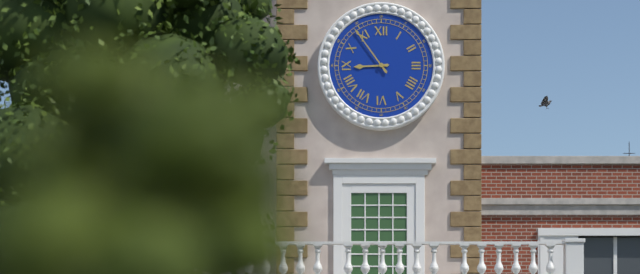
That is h=8 m=54
